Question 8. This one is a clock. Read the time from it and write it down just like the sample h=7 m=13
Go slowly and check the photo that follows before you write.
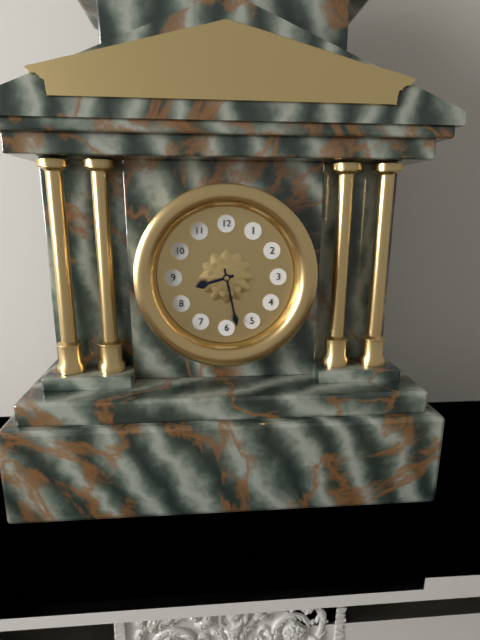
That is h=8 m=28
